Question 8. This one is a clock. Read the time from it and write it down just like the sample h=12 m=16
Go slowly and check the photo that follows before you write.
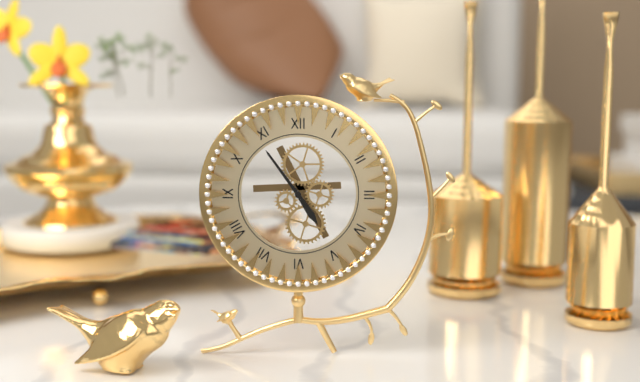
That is h=4 m=54
